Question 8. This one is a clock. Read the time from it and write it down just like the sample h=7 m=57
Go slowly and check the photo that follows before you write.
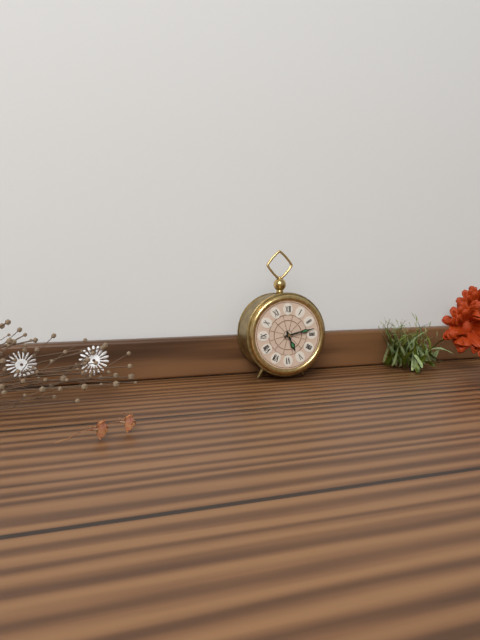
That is h=5 m=13
